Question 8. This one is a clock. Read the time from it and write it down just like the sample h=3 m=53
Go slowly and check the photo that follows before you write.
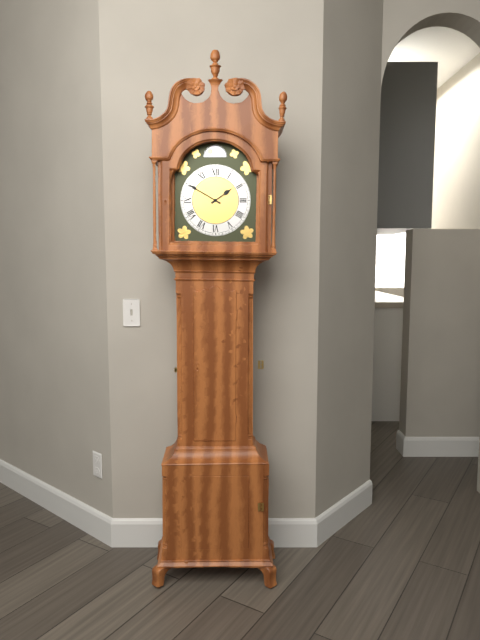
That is h=1 m=50
